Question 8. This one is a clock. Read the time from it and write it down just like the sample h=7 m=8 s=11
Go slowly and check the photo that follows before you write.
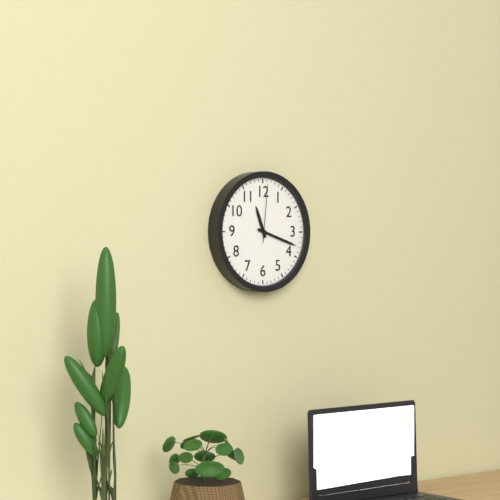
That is h=11 m=18 s=1
